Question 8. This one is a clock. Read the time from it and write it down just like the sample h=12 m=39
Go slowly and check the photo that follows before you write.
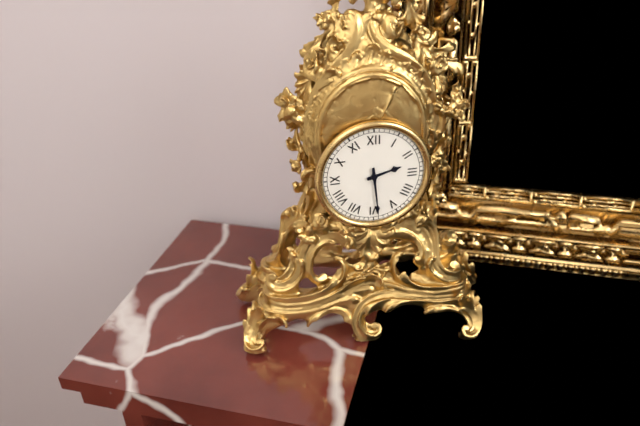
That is h=2 m=29
